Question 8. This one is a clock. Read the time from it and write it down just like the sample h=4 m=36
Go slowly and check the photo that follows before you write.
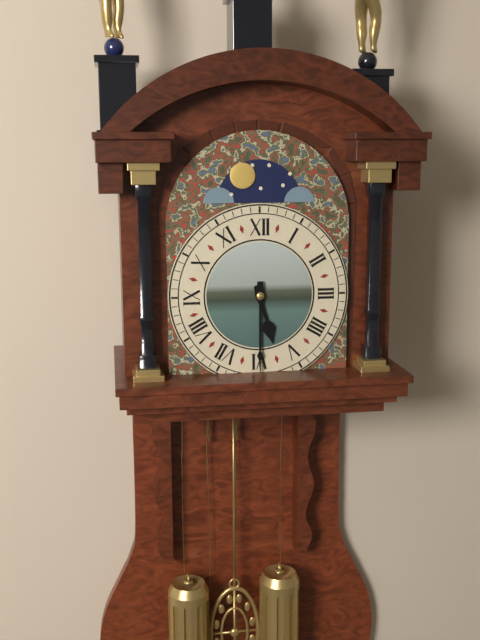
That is h=5 m=30
